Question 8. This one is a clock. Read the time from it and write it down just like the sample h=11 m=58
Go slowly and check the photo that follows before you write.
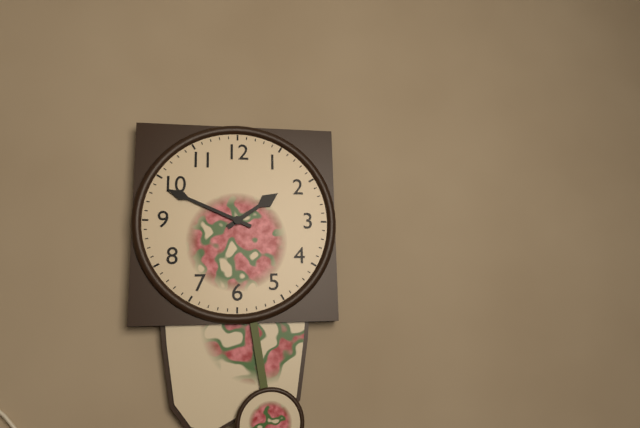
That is h=1 m=49
